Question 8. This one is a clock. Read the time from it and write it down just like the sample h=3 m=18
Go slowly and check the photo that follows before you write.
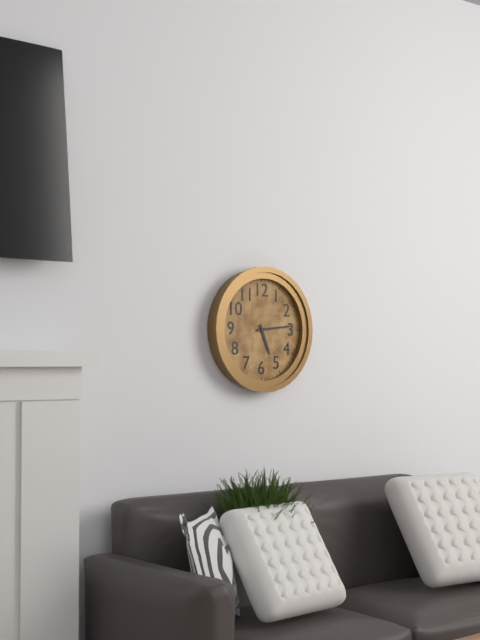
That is h=5 m=14
